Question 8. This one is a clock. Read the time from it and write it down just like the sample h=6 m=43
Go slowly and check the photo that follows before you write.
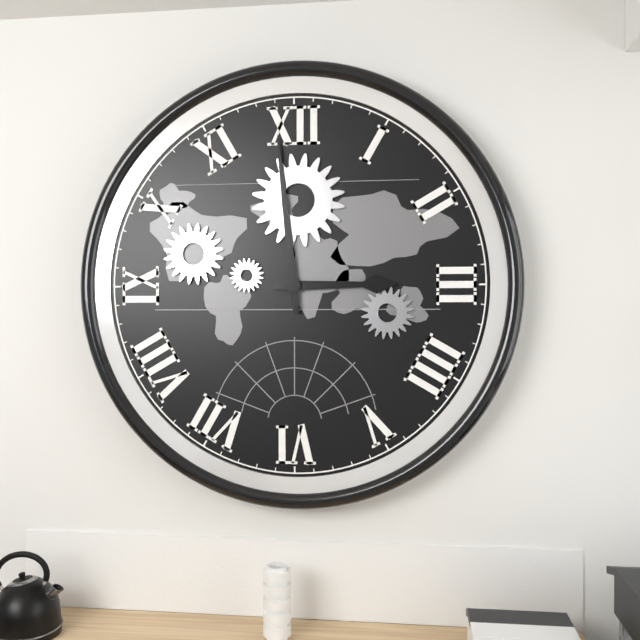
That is h=2 m=59
